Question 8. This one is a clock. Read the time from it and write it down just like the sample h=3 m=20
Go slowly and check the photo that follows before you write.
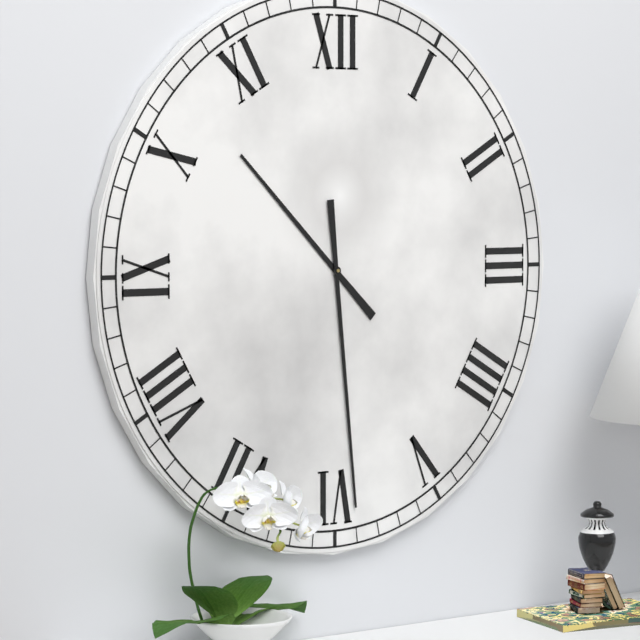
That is h=10 m=29
